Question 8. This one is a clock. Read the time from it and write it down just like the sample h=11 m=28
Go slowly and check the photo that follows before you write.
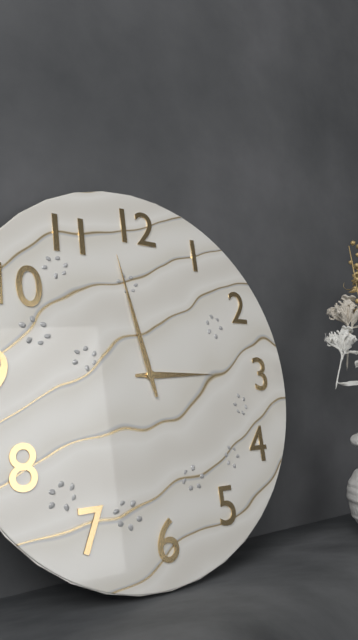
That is h=2 m=58
